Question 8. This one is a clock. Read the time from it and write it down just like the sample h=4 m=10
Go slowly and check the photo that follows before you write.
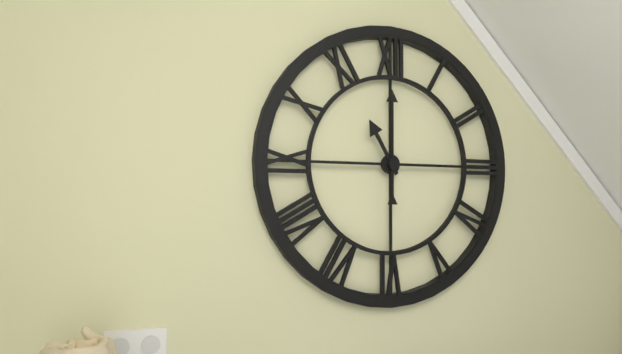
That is h=11 m=0
